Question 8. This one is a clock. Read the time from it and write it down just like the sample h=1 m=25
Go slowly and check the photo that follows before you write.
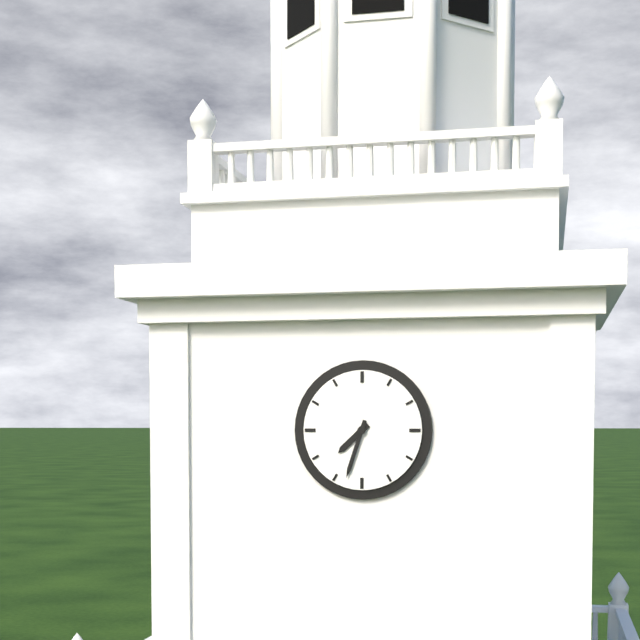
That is h=7 m=33
